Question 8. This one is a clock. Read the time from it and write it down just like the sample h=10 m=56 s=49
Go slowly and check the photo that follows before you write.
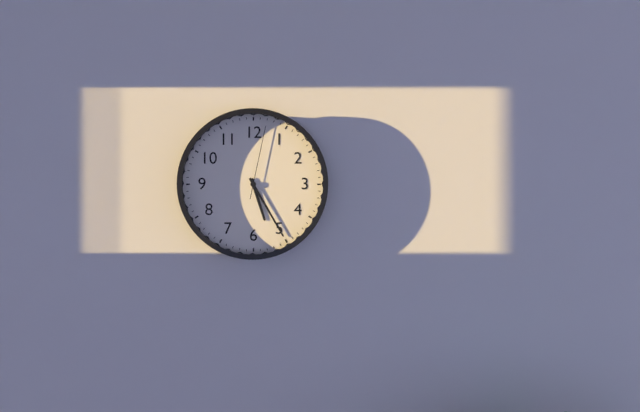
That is h=5 m=25 s=2
